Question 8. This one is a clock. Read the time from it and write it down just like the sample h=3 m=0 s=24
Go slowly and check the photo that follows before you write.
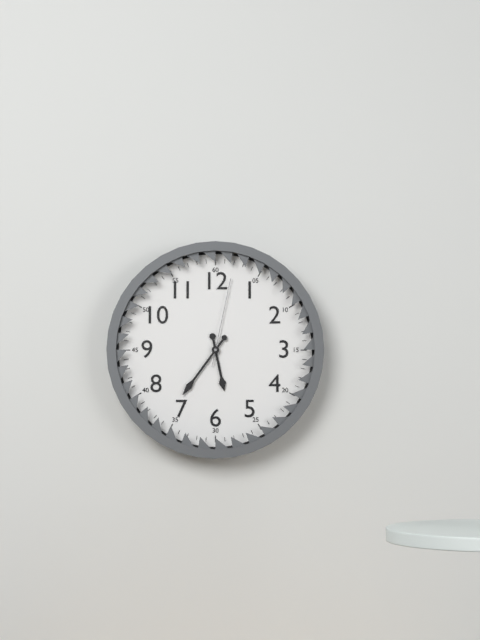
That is h=5 m=36 s=2
